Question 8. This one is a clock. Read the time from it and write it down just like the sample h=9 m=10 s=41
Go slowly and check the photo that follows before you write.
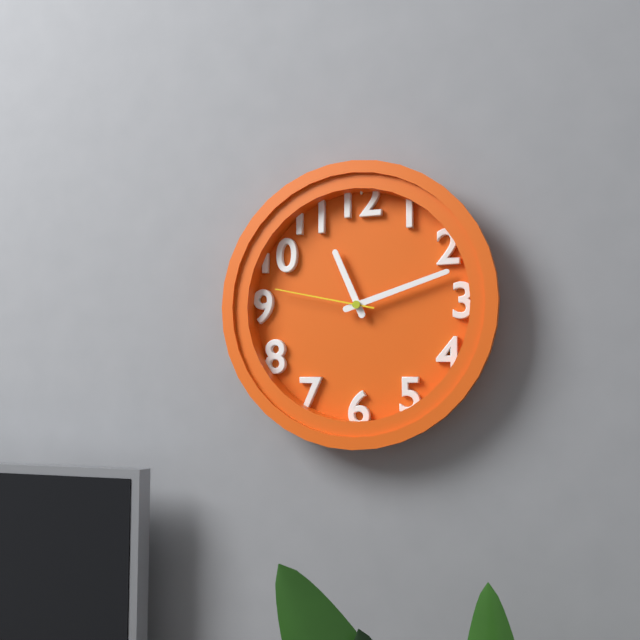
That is h=11 m=12 s=47
